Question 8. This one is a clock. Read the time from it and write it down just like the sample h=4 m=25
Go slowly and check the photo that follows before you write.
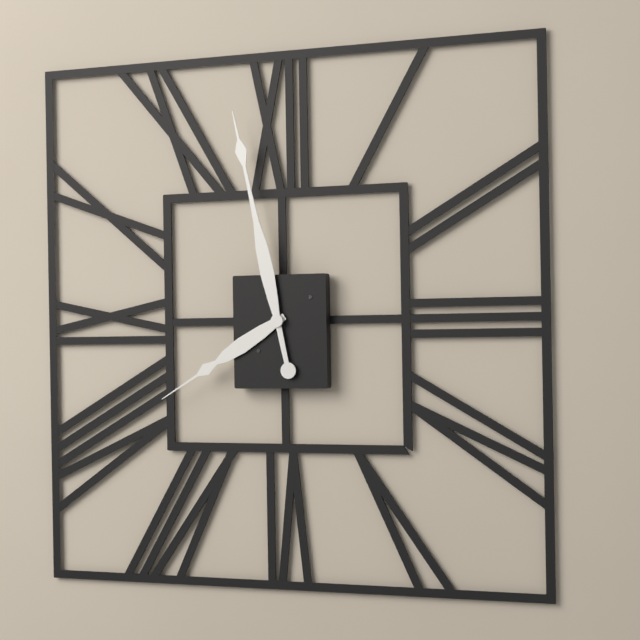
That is h=7 m=58
